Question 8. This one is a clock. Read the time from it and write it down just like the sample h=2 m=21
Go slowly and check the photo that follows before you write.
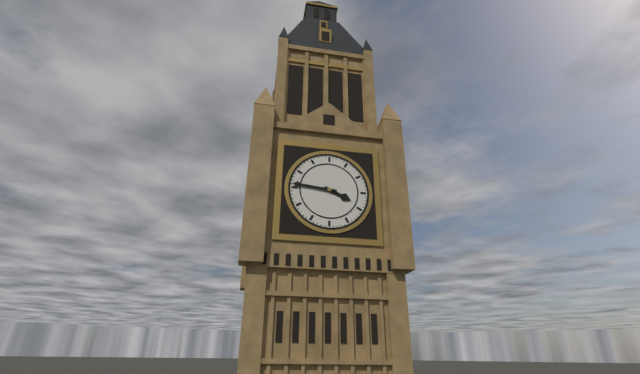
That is h=3 m=46
